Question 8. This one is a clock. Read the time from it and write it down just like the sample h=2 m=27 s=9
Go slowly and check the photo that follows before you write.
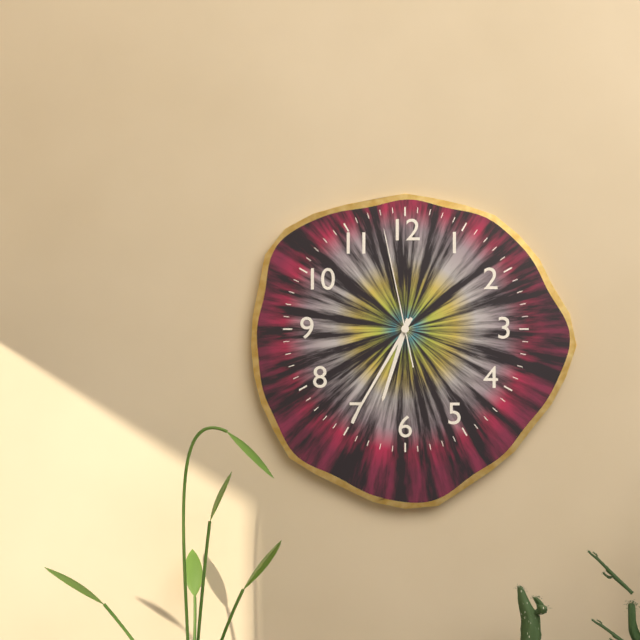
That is h=6 m=35 s=58
